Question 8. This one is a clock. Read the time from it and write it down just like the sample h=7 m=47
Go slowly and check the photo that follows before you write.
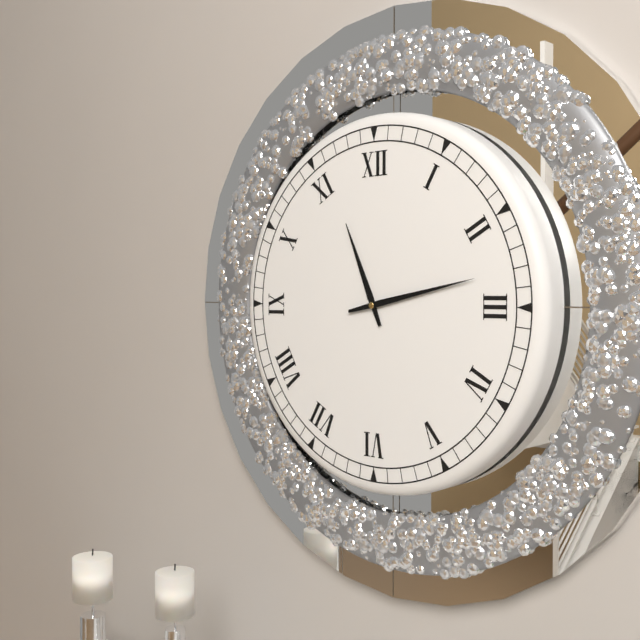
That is h=11 m=13
